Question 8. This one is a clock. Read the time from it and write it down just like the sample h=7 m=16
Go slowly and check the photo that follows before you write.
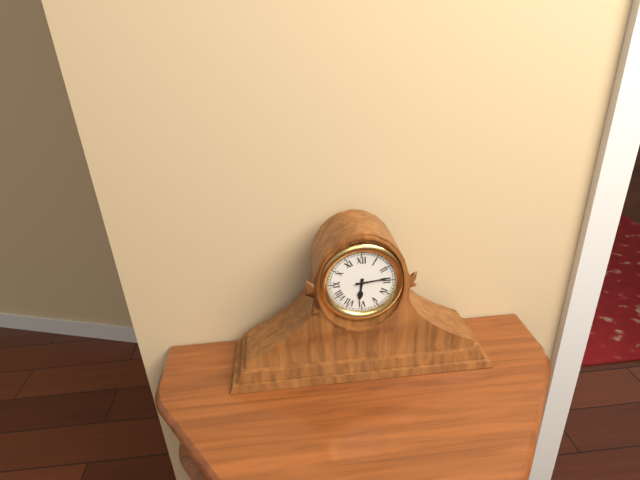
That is h=6 m=14
